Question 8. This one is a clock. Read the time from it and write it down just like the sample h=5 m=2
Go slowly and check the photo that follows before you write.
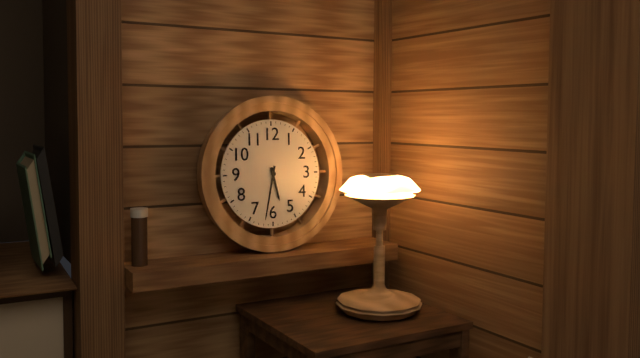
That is h=5 m=32
